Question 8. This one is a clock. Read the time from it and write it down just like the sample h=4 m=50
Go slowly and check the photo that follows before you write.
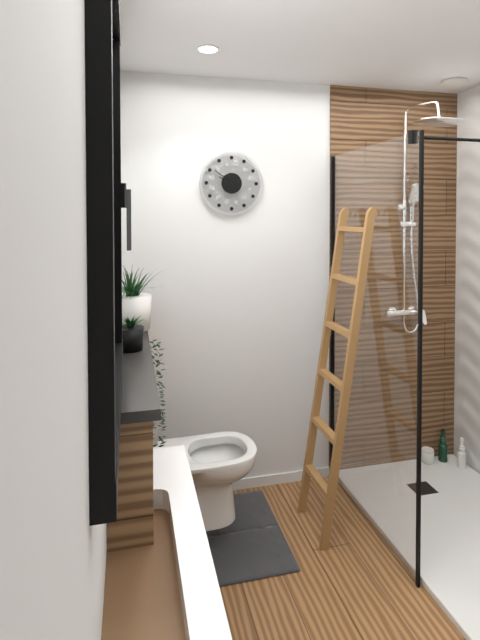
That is h=9 m=51
